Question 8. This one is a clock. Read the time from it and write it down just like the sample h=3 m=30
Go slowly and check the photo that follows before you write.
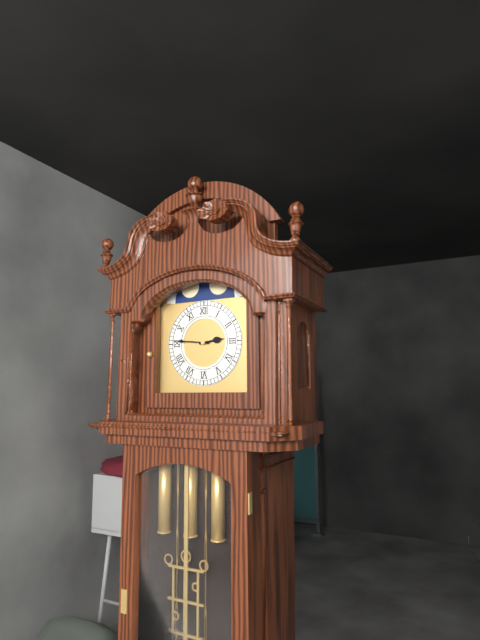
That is h=2 m=46
